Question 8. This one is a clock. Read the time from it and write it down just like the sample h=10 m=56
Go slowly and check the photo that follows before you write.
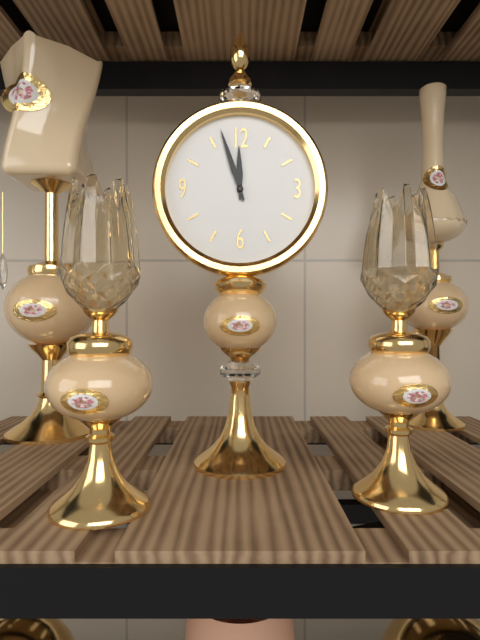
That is h=11 m=57
